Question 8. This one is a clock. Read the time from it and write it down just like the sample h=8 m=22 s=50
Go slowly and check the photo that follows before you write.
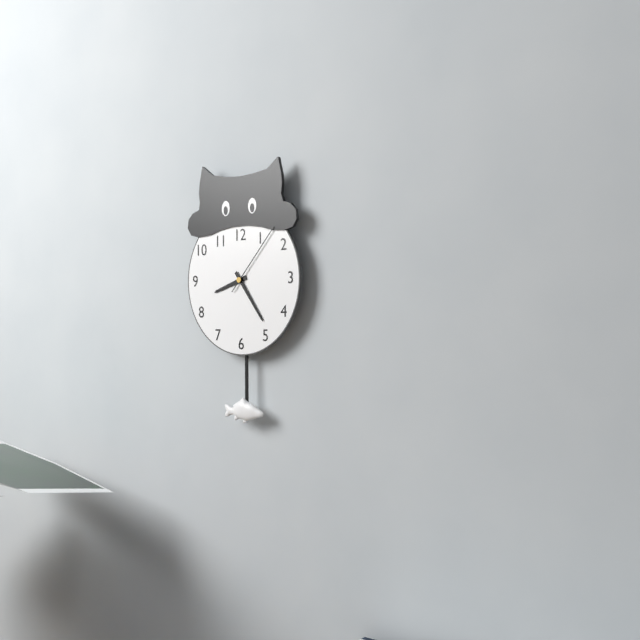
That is h=8 m=24 s=7
